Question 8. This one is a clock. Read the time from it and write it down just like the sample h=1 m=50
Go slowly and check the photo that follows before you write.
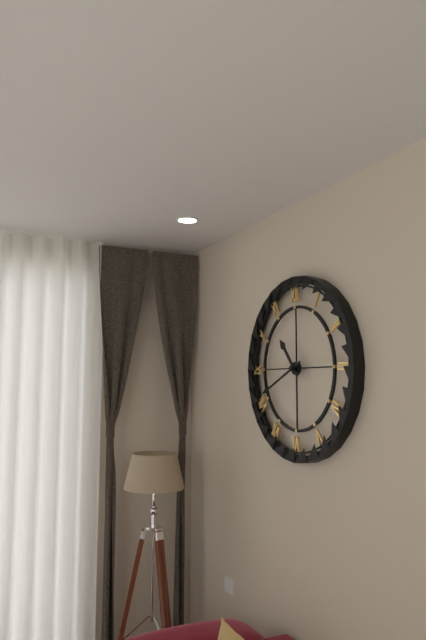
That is h=10 m=41
